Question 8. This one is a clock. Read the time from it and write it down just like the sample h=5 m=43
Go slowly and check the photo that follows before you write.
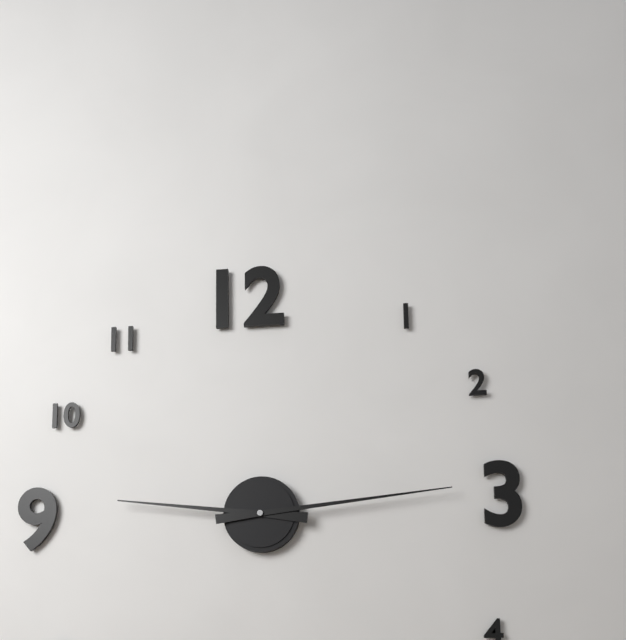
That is h=9 m=14
